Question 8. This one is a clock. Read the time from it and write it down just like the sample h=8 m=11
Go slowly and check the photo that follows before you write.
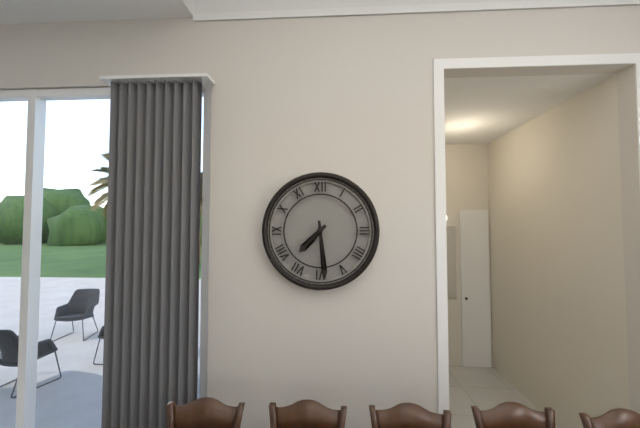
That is h=7 m=29
